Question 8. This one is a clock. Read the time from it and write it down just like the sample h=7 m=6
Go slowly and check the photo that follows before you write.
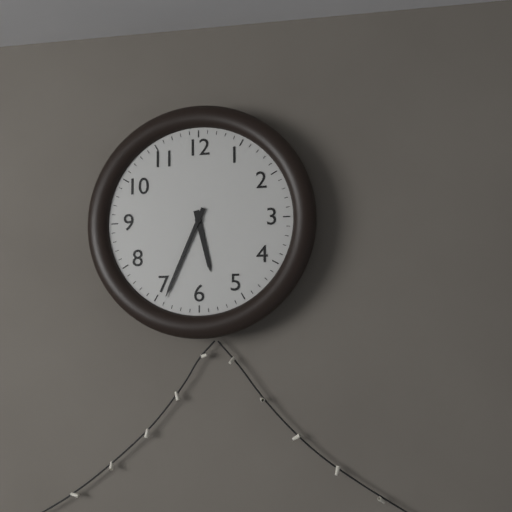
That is h=5 m=34
